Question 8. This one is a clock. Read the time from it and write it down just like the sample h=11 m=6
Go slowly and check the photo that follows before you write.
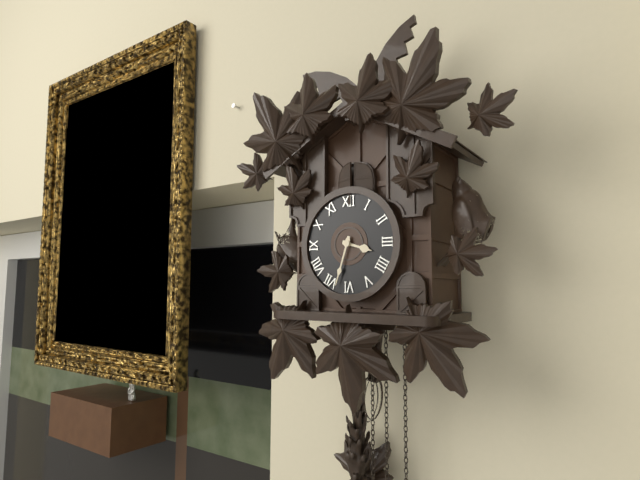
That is h=3 m=33
